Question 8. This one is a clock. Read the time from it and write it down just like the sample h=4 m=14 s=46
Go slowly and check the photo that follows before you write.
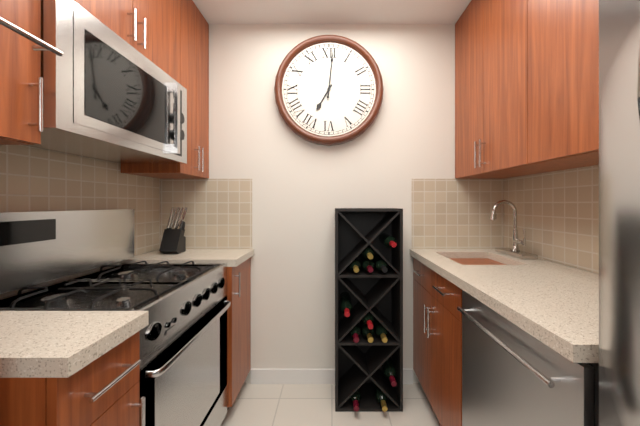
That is h=7 m=1 s=1
